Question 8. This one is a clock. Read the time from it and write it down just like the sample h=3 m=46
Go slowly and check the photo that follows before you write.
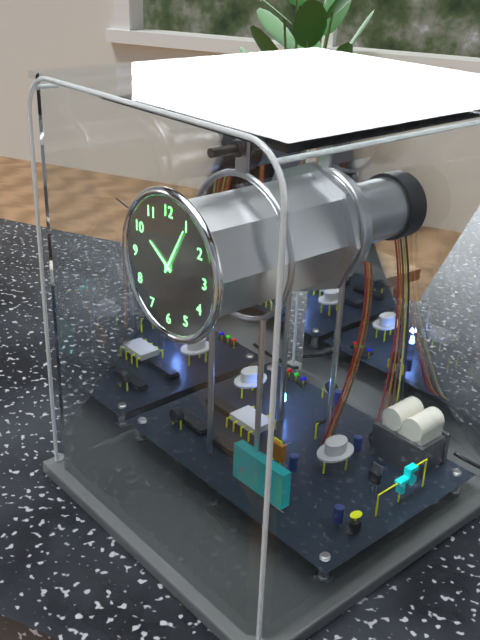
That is h=10 m=5
